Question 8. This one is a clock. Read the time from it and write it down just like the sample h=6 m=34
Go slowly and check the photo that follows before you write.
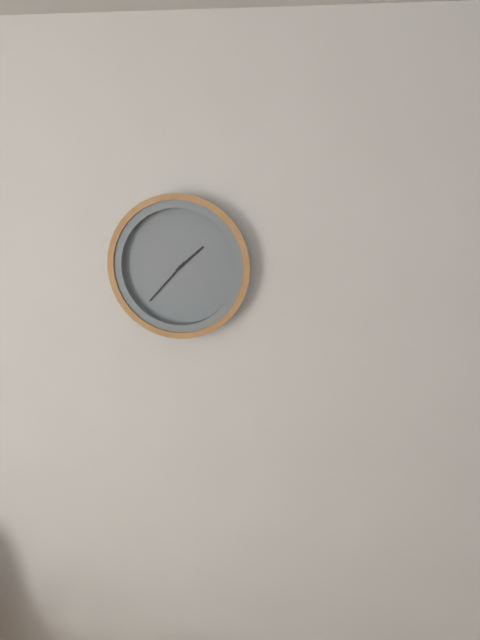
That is h=1 m=37
